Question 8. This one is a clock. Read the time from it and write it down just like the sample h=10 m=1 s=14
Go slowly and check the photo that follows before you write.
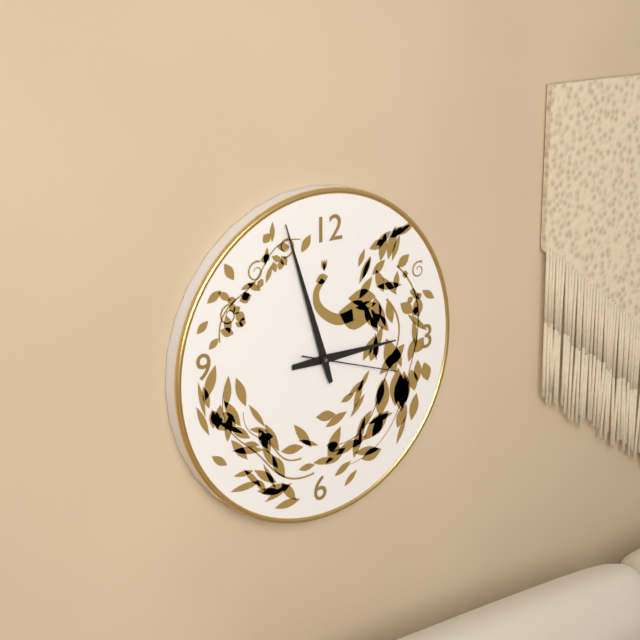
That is h=2 m=57 s=18
